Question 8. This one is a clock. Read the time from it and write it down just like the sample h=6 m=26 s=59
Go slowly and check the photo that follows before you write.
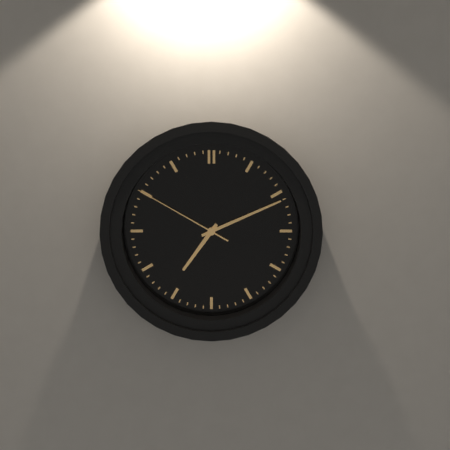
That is h=7 m=11 s=50
